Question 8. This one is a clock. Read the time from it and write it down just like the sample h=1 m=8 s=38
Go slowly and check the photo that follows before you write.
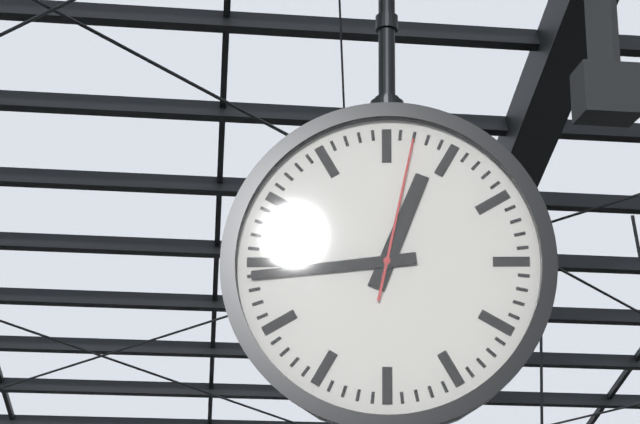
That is h=12 m=44 s=2
